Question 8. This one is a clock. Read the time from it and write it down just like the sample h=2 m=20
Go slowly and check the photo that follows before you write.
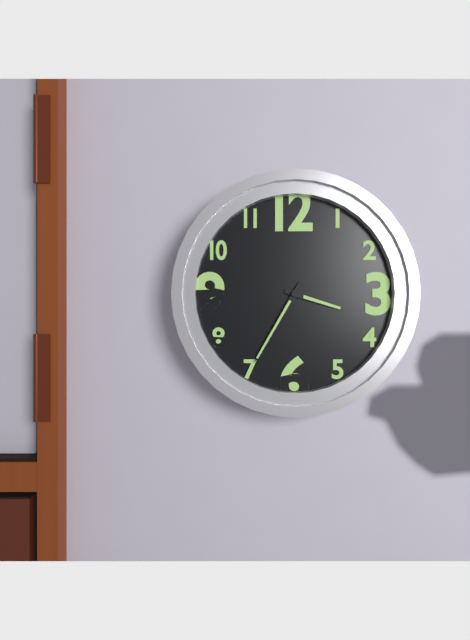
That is h=3 m=35
